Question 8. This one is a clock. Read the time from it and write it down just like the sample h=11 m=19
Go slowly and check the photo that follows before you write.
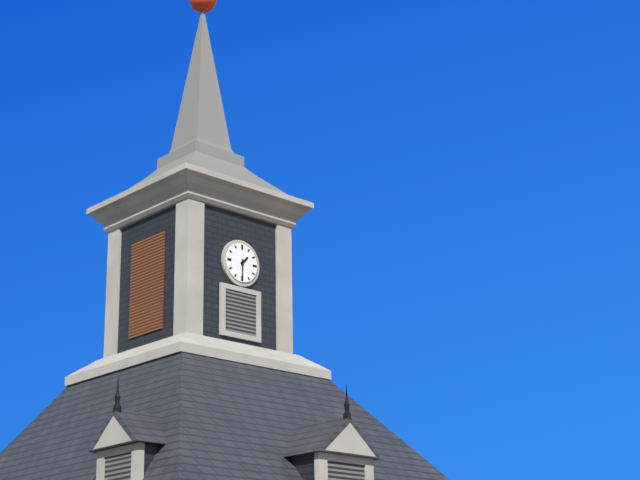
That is h=1 m=30
